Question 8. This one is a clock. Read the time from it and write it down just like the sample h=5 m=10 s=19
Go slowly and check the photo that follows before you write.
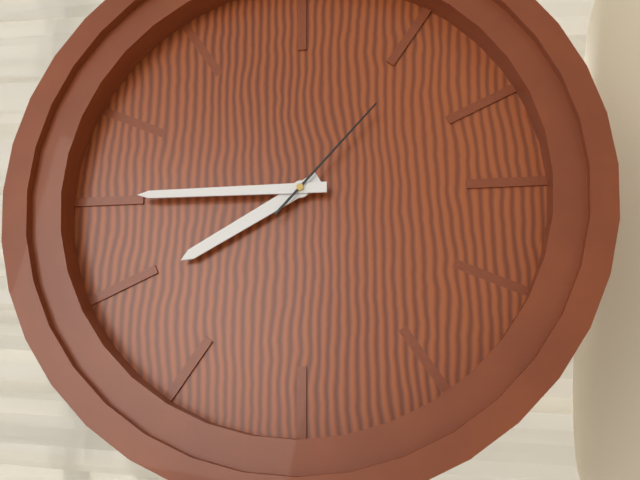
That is h=11 m=0 s=22
